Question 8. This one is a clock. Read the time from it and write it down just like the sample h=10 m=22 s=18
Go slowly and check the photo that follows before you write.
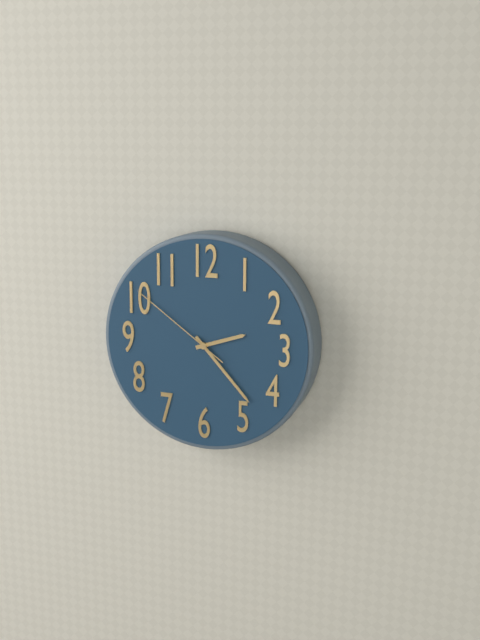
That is h=2 m=23 s=51
